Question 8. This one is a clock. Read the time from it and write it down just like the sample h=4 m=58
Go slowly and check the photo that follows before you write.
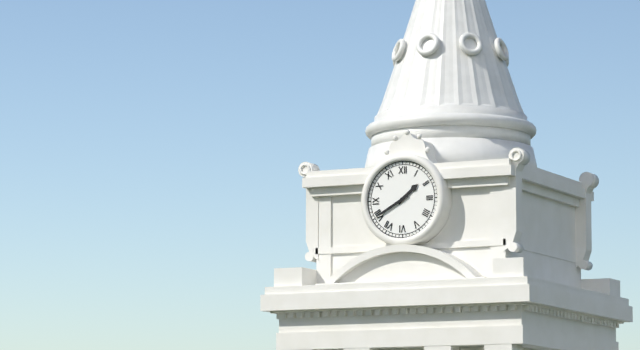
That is h=1 m=40
